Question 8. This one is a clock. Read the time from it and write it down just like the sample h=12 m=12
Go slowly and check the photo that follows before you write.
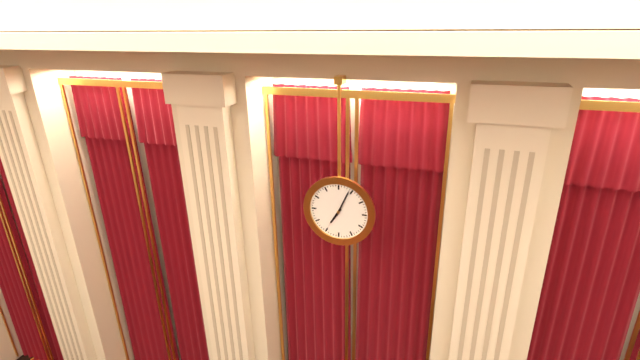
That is h=7 m=4
